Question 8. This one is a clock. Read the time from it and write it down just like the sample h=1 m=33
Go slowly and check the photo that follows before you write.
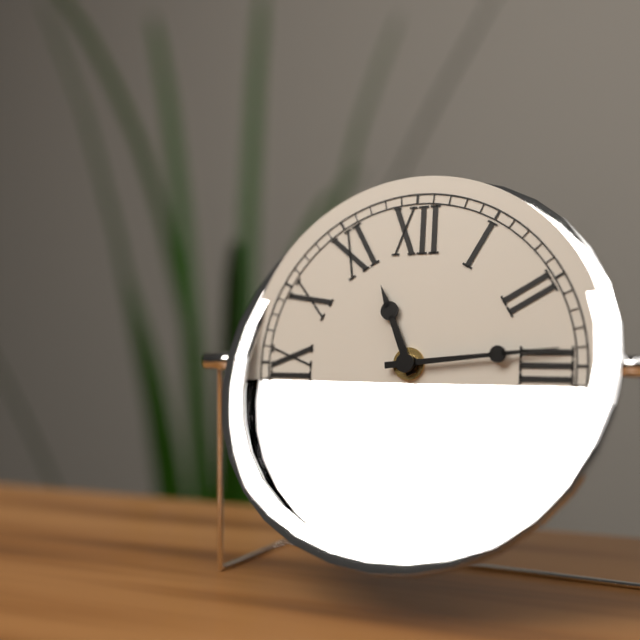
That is h=11 m=14
